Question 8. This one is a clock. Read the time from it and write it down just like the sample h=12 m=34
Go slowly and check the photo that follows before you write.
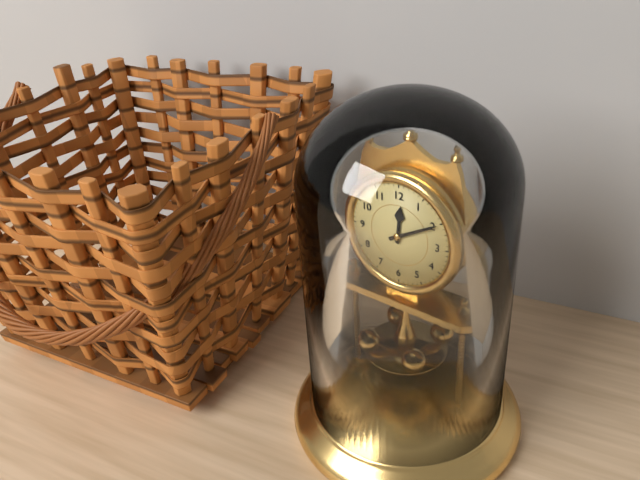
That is h=12 m=10
